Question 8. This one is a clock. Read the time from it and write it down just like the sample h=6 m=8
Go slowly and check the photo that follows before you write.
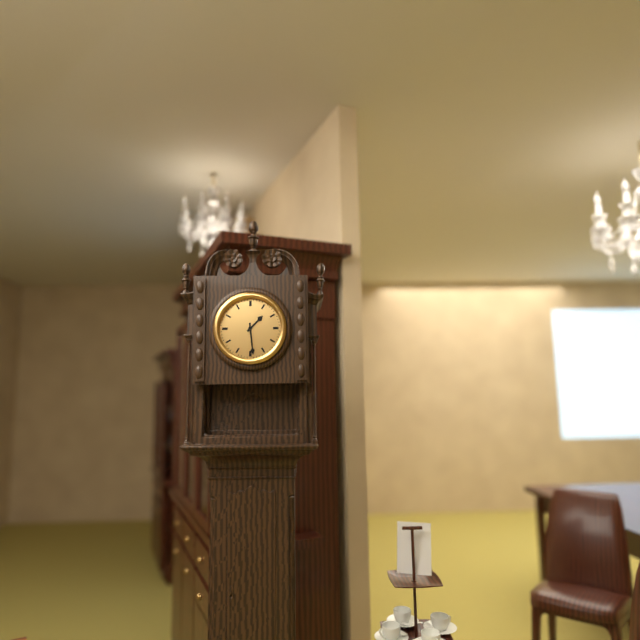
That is h=1 m=29
